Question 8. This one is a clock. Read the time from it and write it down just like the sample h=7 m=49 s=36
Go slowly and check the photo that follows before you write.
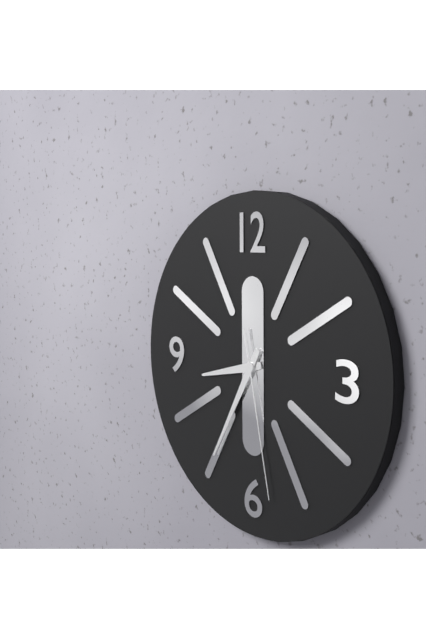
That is h=8 m=35 s=28
